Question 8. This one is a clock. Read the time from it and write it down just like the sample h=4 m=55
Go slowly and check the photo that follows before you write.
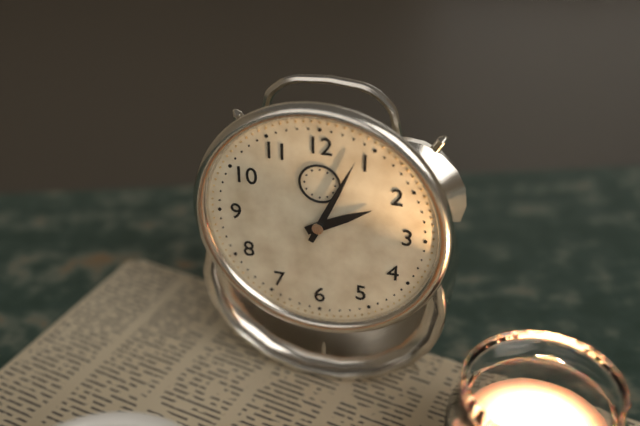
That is h=2 m=4
